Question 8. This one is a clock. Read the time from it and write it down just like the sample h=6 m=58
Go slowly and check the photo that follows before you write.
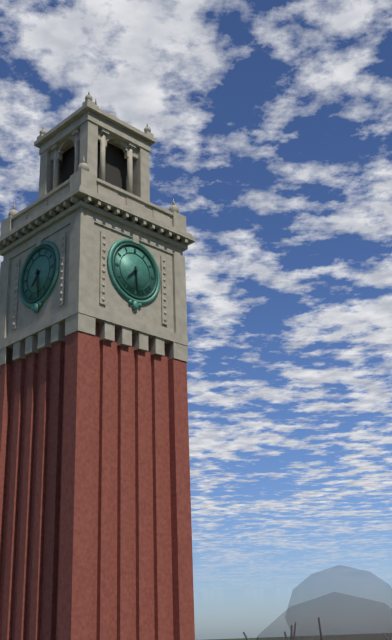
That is h=7 m=29
